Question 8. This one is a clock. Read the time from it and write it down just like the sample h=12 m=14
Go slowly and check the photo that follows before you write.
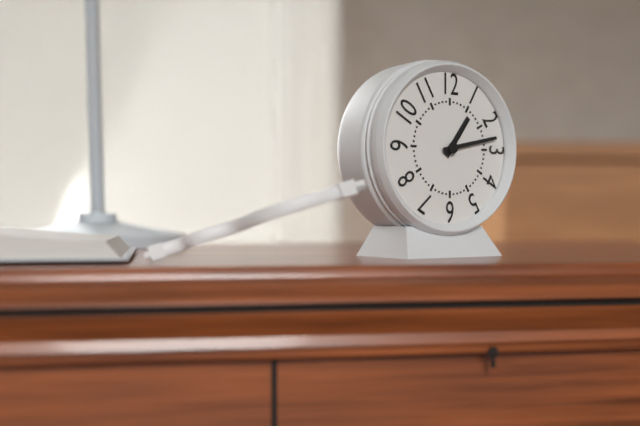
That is h=1 m=13
